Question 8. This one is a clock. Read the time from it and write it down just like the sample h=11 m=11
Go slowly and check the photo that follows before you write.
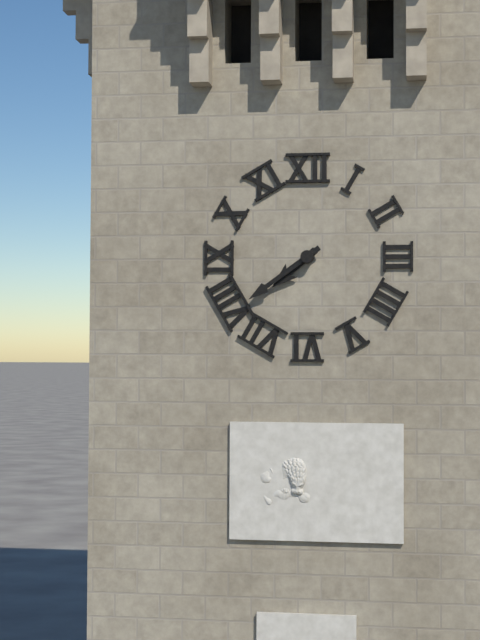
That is h=7 m=39
